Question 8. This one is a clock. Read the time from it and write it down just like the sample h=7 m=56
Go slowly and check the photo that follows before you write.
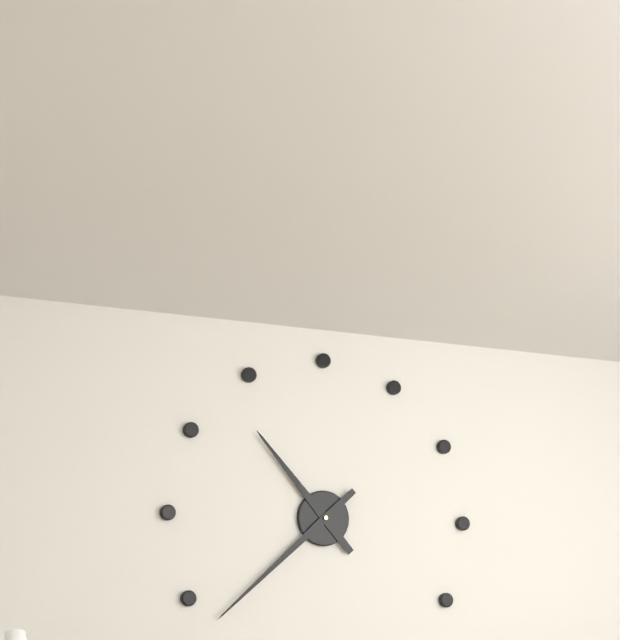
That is h=10 m=38
